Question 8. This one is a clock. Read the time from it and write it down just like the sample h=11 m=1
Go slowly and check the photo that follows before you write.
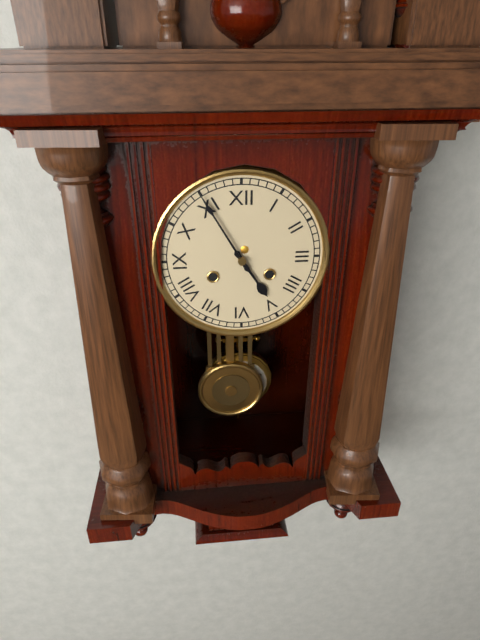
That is h=4 m=55
